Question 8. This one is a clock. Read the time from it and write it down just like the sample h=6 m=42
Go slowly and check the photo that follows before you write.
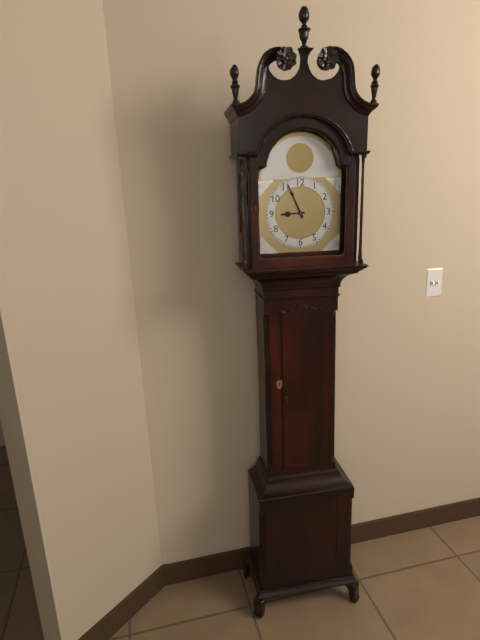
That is h=8 m=56
